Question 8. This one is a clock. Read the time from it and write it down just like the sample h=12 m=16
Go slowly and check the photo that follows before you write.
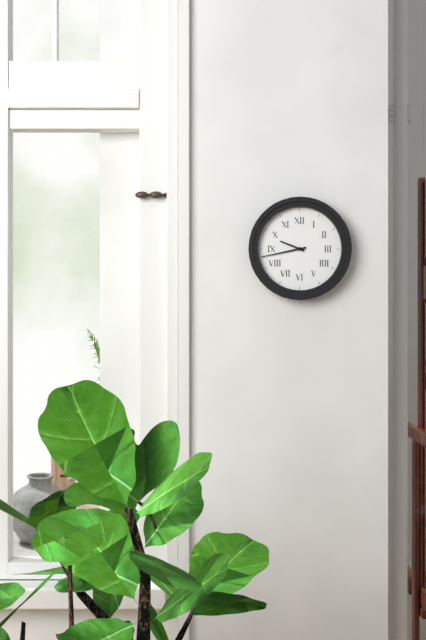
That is h=9 m=43
